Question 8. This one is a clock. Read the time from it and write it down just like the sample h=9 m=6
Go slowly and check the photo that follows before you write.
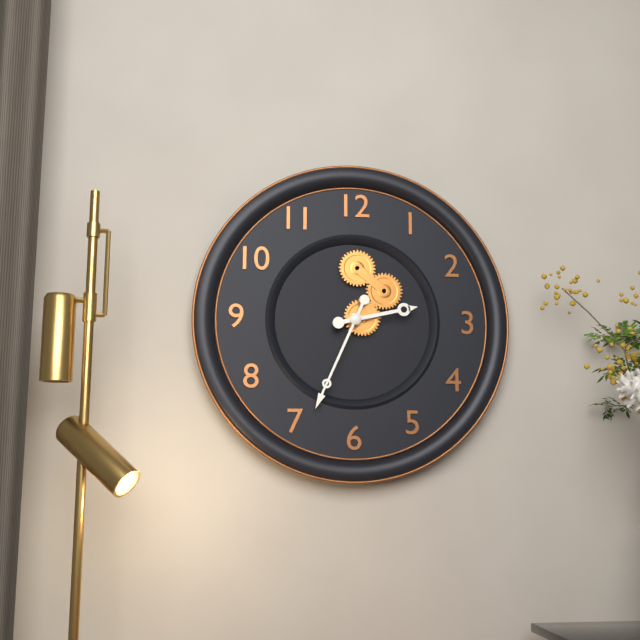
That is h=2 m=34
